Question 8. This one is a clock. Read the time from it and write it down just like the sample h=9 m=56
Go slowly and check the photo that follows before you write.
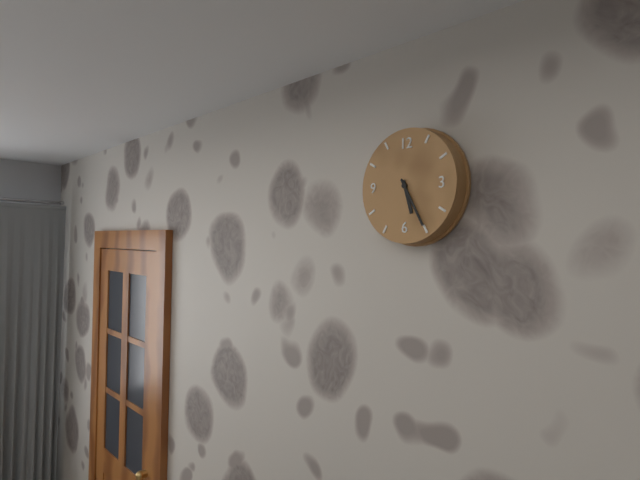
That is h=5 m=25
